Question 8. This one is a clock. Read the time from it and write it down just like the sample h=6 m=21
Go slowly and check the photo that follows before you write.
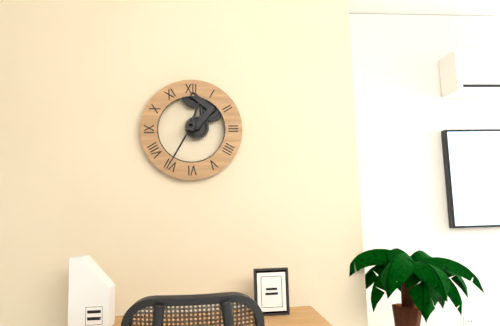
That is h=12 m=35
